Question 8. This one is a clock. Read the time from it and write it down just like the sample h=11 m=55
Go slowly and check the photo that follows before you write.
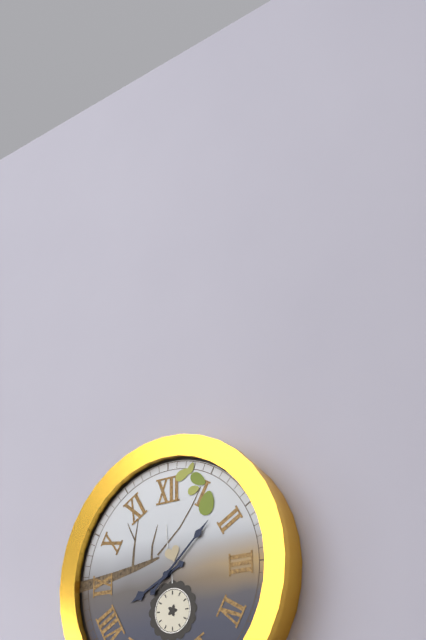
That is h=8 m=8
